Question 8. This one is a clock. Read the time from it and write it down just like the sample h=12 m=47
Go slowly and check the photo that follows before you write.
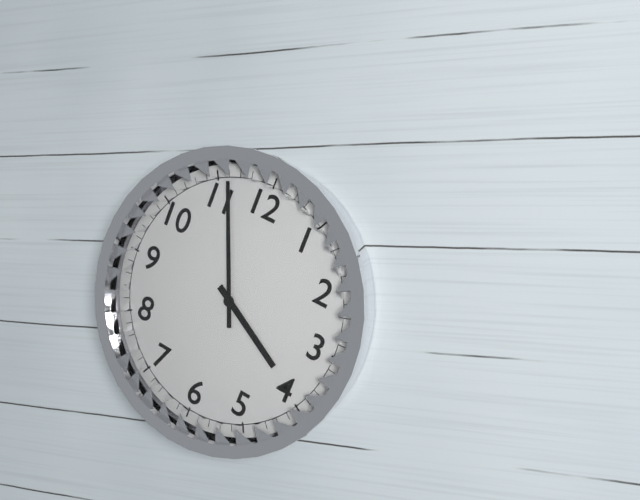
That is h=3 m=56
